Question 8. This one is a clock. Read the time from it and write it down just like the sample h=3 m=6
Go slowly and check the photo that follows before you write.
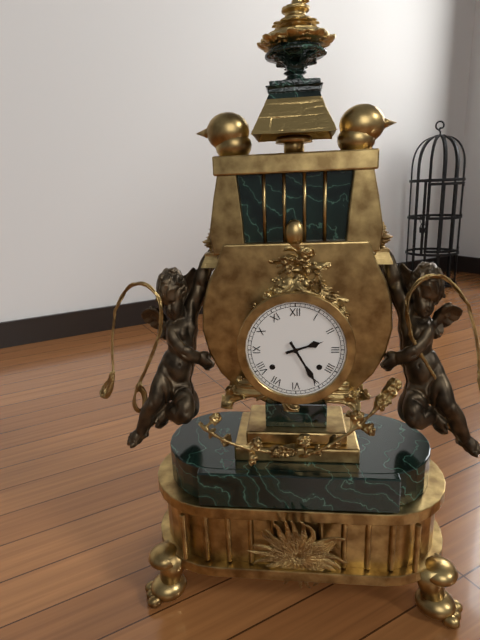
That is h=2 m=25
